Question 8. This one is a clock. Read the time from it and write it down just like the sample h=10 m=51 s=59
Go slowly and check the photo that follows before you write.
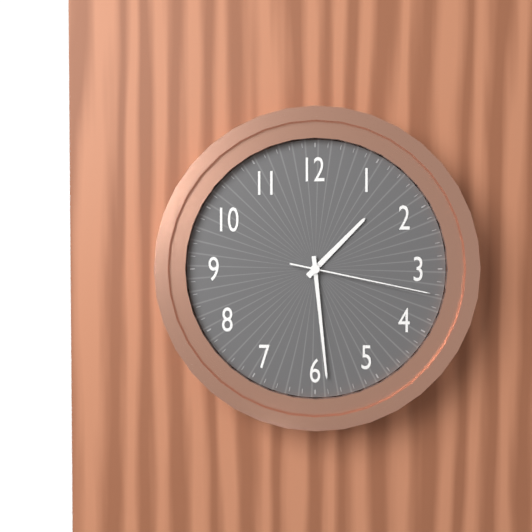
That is h=1 m=29 s=17
